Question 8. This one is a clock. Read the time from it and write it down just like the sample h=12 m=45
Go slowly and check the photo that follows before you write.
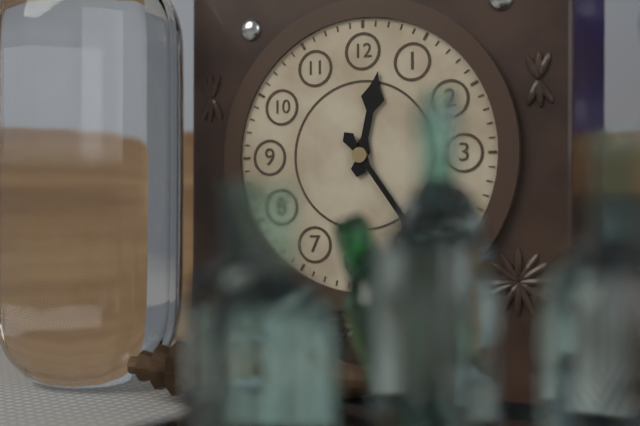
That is h=12 m=24
